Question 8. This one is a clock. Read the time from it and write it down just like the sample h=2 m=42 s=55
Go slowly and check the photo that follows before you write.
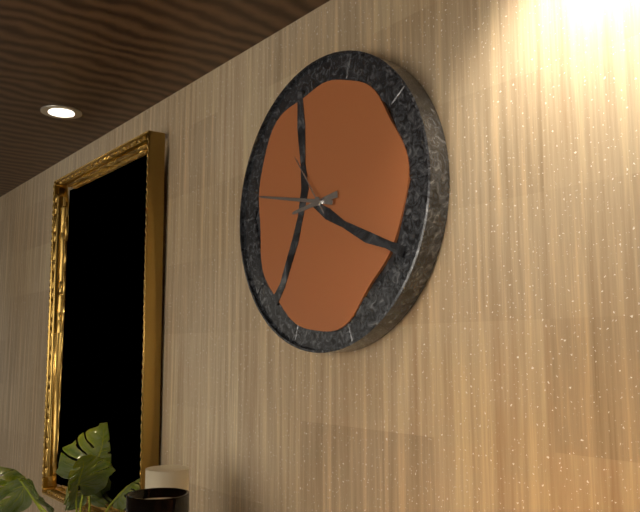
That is h=8 m=47 s=54
